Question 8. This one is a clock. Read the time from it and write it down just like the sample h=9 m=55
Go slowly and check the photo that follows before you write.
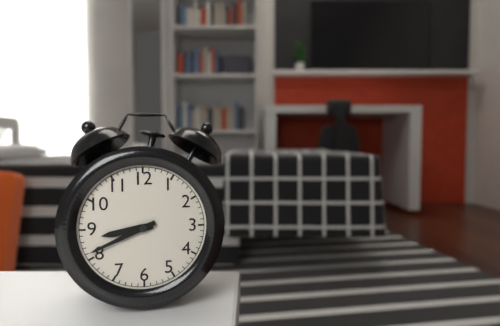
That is h=8 m=41
